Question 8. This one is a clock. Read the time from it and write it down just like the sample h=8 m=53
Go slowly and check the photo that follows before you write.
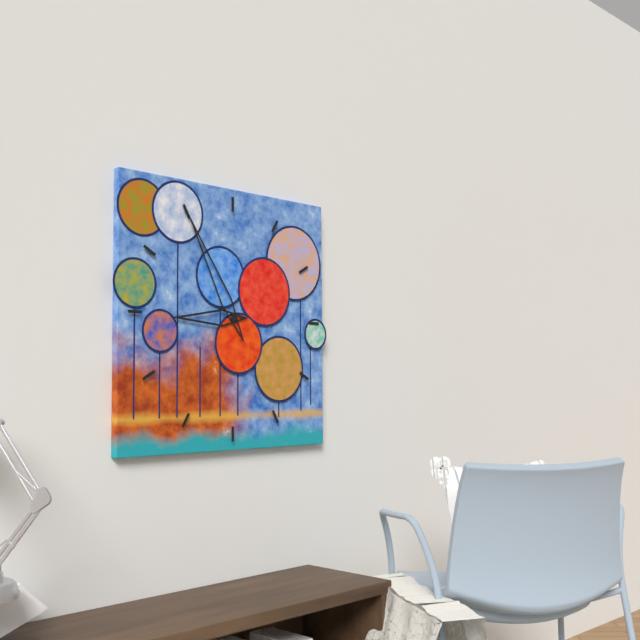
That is h=8 m=55
